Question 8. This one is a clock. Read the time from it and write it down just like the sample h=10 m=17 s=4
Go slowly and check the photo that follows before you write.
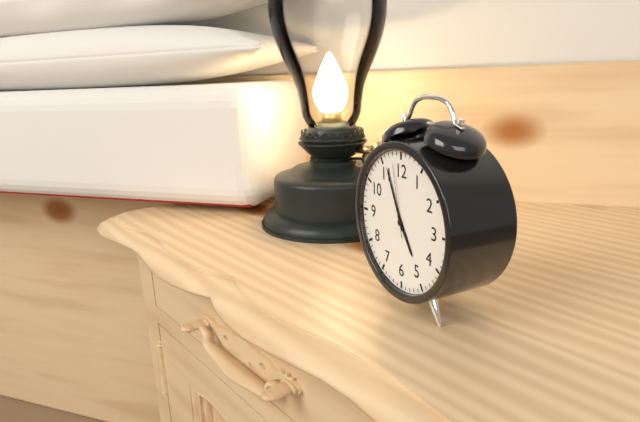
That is h=4 m=56 s=58
